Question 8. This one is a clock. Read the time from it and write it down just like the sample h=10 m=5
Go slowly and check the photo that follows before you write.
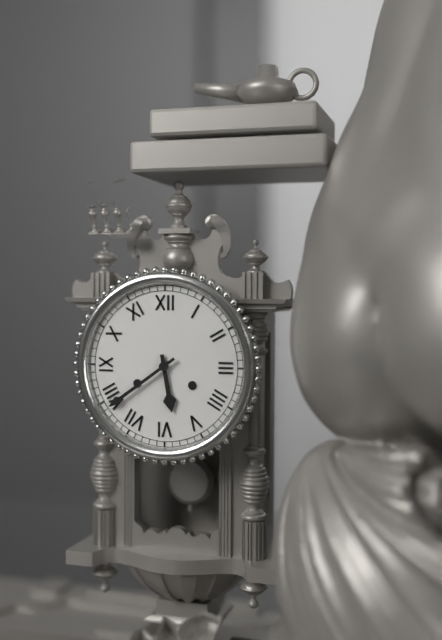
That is h=5 m=39
